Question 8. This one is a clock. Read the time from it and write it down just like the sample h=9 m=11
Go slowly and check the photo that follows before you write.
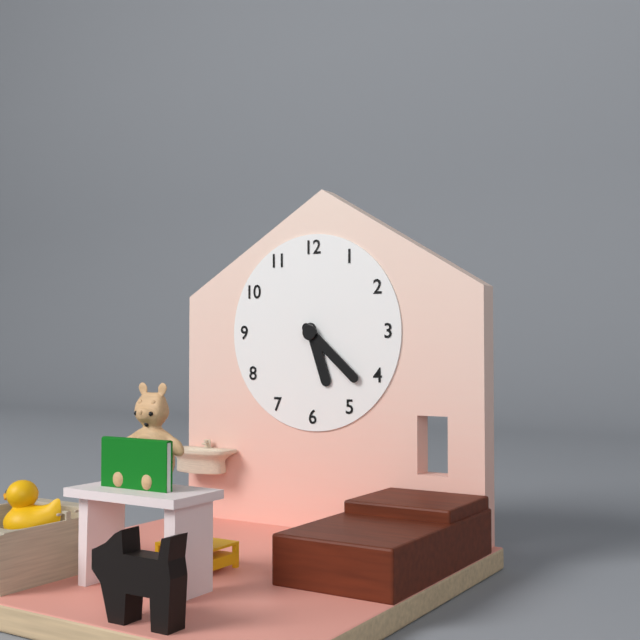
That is h=5 m=22
